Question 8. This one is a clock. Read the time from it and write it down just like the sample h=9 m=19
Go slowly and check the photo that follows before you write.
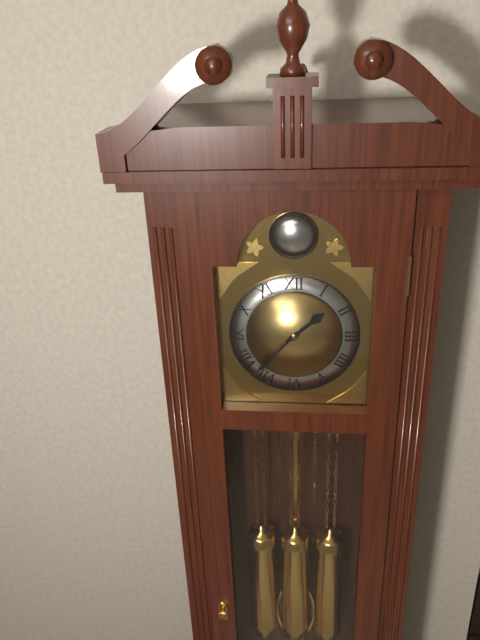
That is h=1 m=37
